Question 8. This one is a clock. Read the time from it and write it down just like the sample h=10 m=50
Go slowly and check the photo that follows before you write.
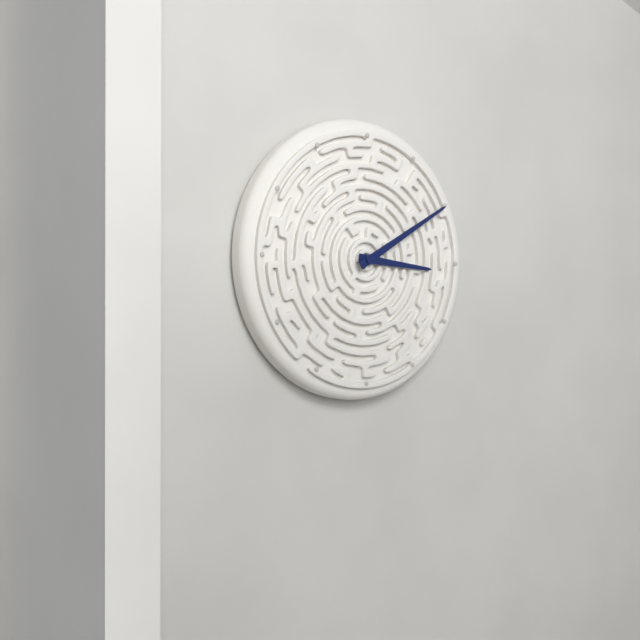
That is h=3 m=10
